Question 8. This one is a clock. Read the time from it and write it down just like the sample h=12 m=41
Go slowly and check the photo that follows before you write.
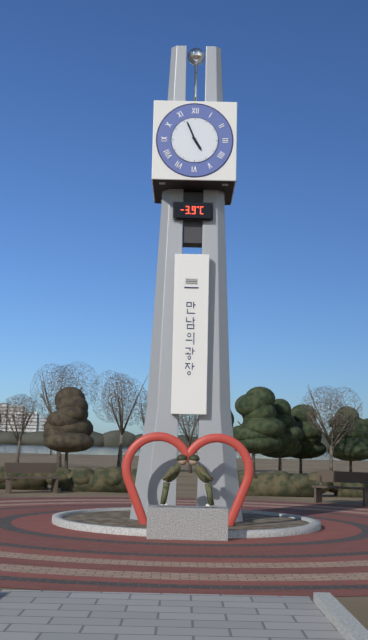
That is h=4 m=56
